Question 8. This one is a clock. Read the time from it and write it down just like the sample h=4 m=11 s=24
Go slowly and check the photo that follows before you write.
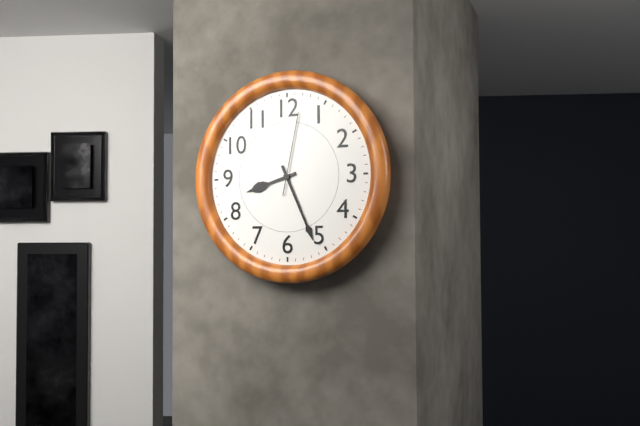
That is h=8 m=26 s=2
